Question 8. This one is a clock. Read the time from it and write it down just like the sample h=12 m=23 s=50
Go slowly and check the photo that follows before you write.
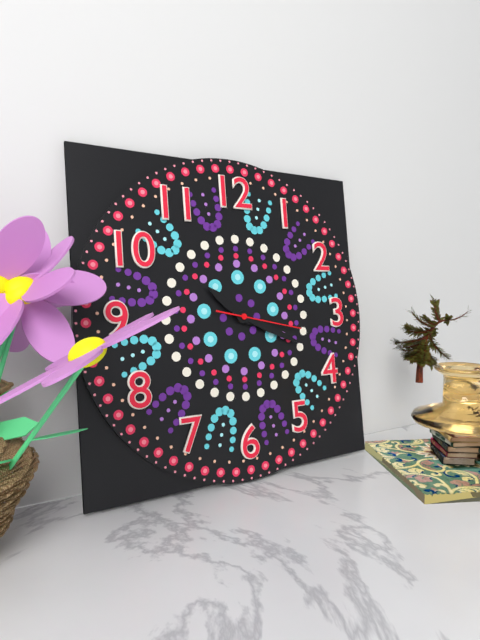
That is h=10 m=19 s=17
